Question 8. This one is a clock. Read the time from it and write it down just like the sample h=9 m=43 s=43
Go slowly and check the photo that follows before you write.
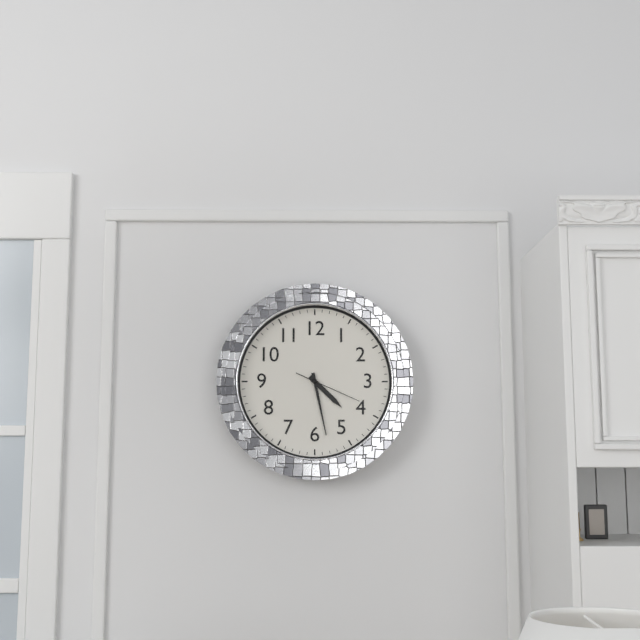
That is h=4 m=28 s=19
